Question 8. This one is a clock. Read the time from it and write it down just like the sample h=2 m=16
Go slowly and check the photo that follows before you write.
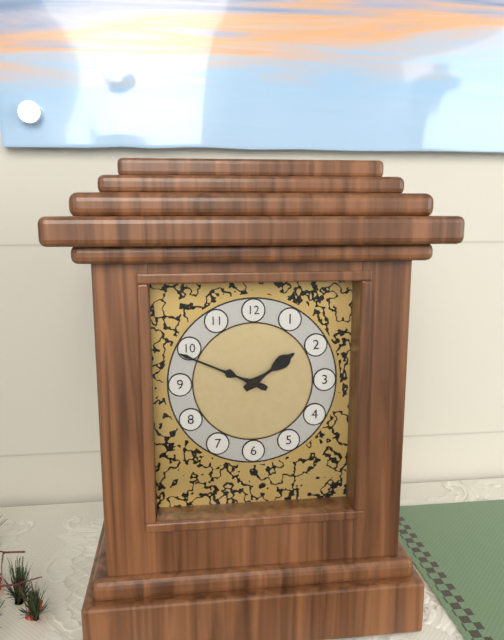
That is h=1 m=49
